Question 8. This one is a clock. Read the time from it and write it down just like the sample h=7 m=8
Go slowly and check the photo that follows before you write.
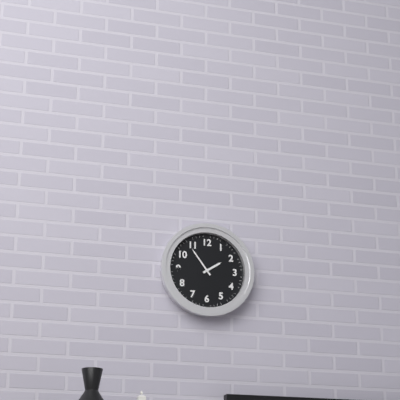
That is h=1 m=54
